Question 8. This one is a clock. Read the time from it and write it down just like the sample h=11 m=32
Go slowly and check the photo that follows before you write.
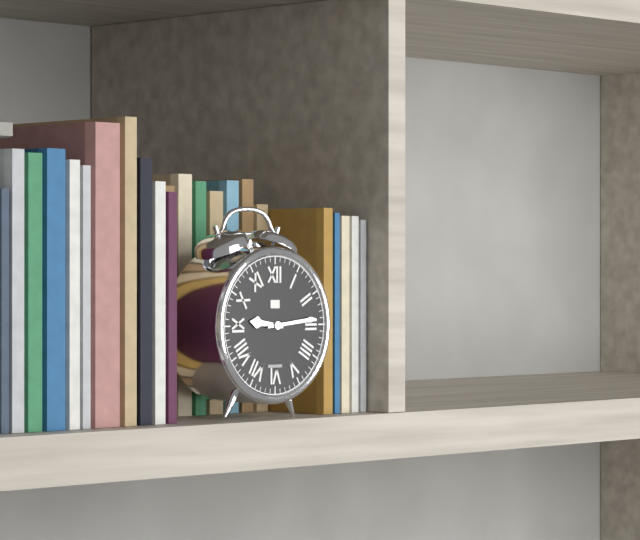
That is h=9 m=14
